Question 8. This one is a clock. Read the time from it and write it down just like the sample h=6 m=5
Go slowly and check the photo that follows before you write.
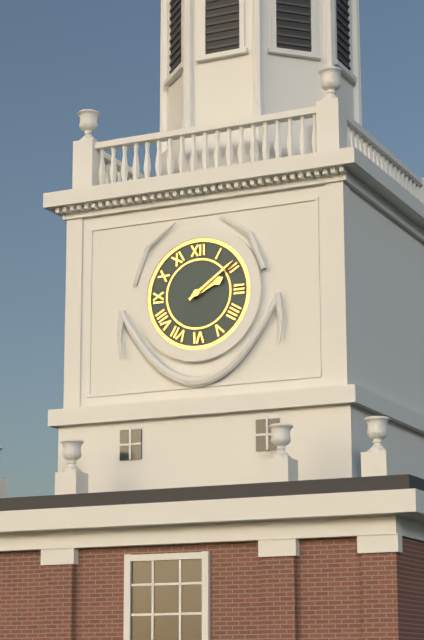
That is h=2 m=9
